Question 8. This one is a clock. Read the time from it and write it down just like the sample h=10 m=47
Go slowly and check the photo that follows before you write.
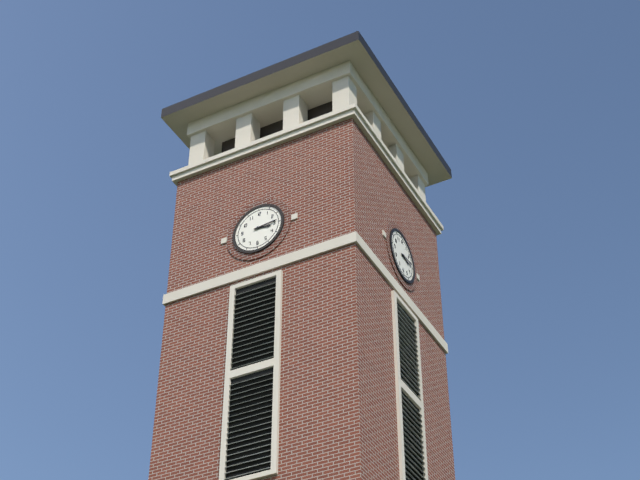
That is h=3 m=14
